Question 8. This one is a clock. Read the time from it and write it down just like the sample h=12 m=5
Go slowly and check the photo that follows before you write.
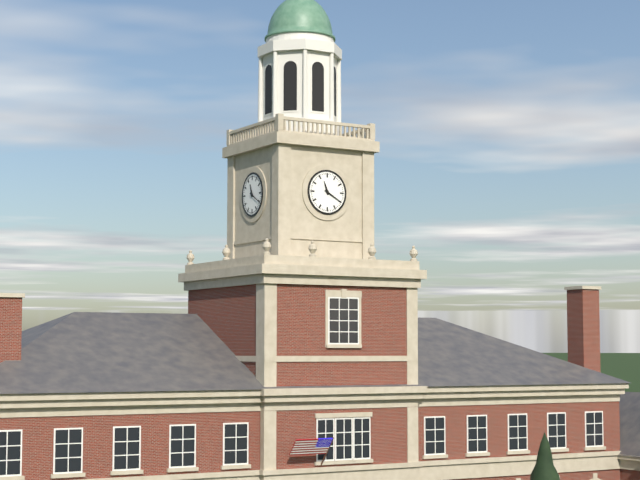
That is h=11 m=20
